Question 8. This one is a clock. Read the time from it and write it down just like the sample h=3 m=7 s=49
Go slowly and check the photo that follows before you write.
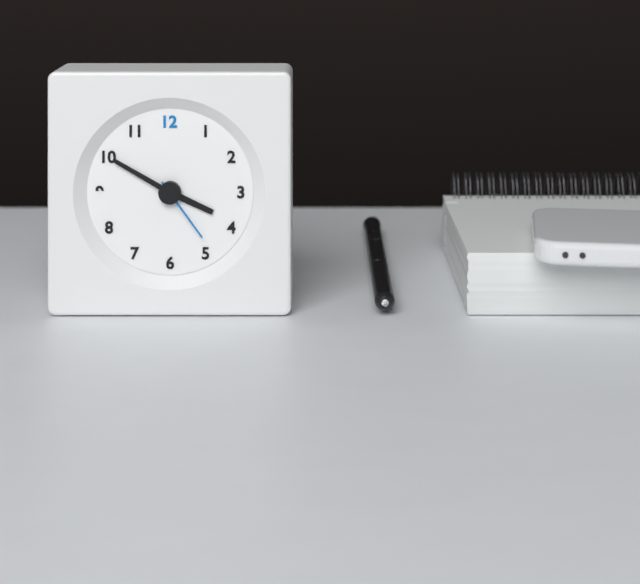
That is h=3 m=50 s=24
